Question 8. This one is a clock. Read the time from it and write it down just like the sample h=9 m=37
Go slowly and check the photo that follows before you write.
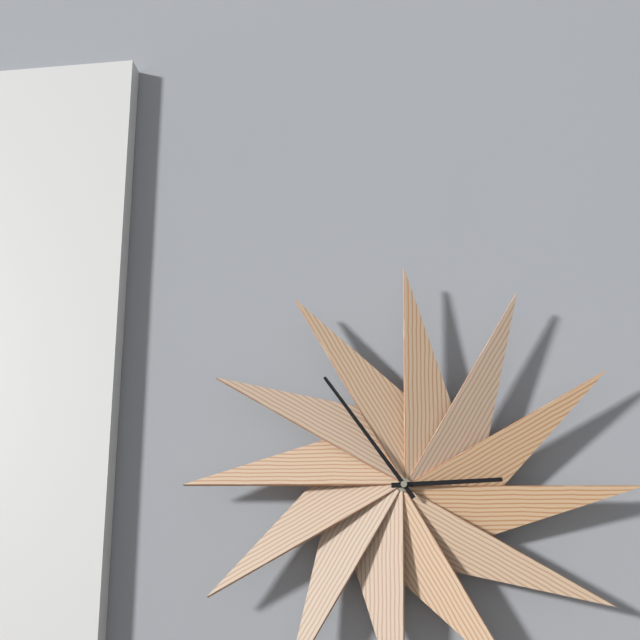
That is h=2 m=54
